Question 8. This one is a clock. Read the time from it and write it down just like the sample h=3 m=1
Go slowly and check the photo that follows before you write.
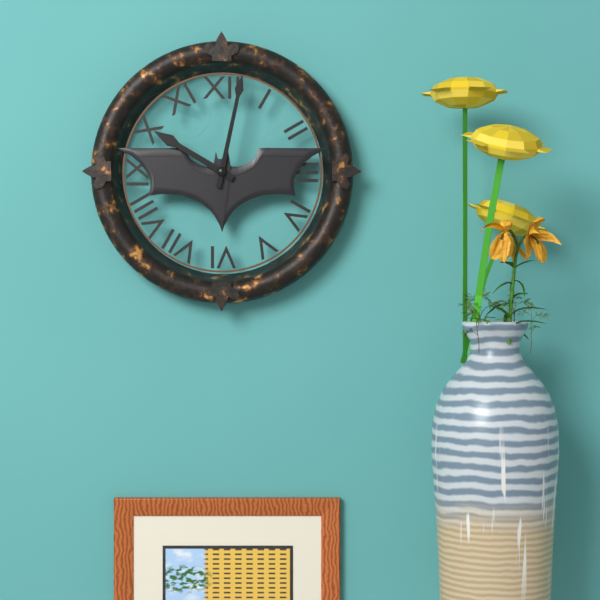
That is h=10 m=2
